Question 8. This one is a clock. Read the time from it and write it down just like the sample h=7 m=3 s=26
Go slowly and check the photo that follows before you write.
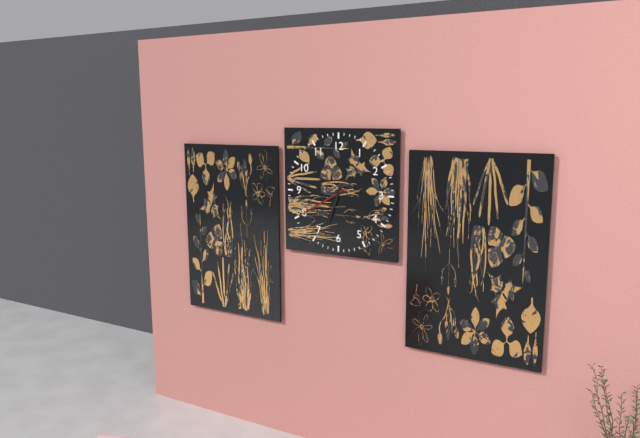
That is h=6 m=40 s=40
